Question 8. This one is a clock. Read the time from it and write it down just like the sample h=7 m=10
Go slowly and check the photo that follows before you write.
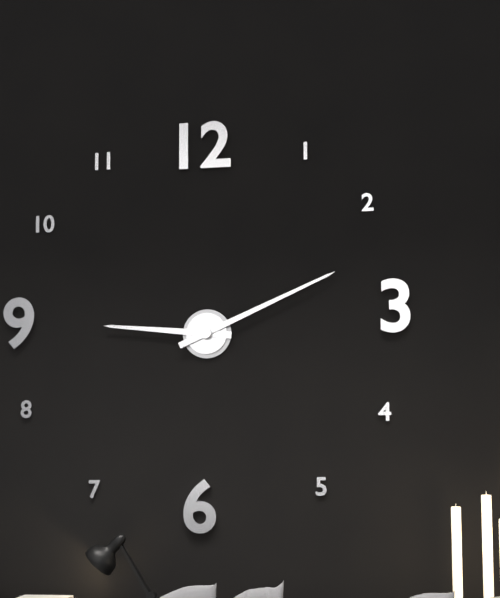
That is h=9 m=11
